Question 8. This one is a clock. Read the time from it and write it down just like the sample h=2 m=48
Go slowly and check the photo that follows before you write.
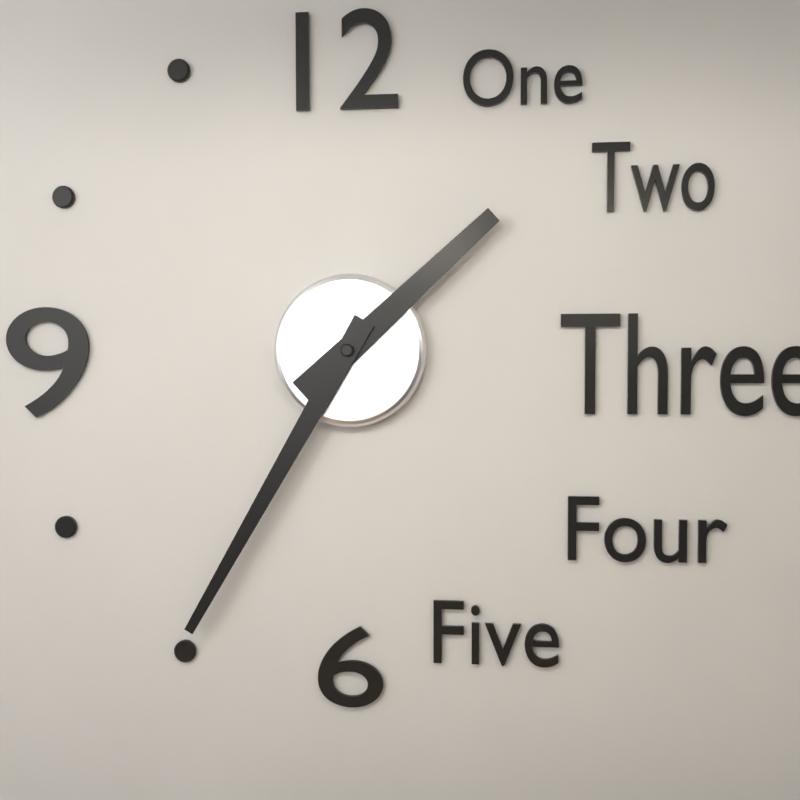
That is h=1 m=35
